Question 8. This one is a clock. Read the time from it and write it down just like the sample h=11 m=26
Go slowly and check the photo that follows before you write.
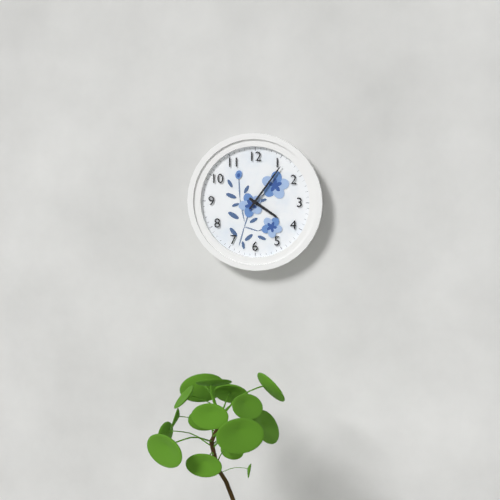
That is h=4 m=6
